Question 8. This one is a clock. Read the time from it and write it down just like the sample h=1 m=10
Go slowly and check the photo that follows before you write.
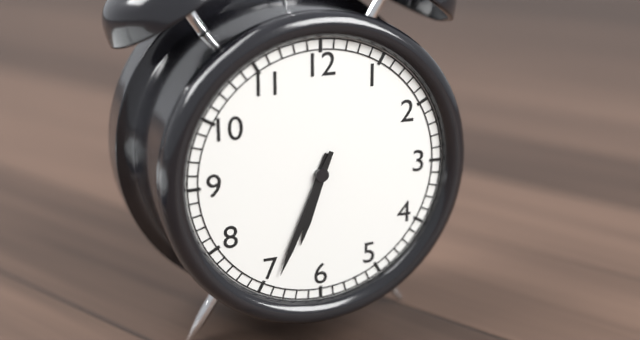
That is h=6 m=34
